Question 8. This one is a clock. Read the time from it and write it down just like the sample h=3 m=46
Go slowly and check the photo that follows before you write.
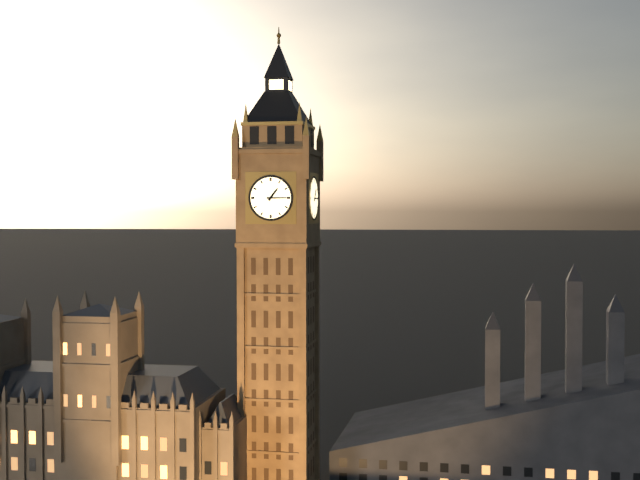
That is h=1 m=15
